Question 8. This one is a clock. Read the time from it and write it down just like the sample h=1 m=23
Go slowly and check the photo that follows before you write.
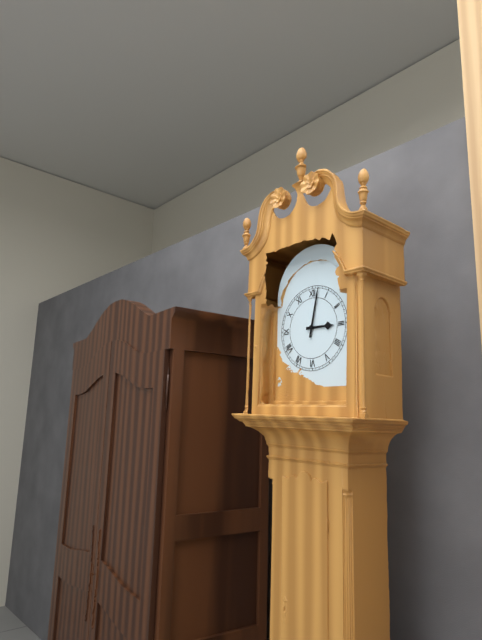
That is h=3 m=2
